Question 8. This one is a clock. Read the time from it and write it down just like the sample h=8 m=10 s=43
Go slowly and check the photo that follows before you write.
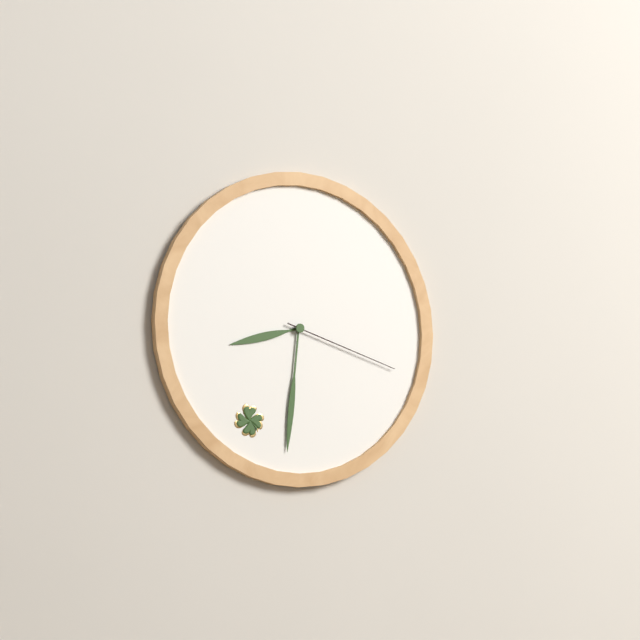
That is h=8 m=31 s=18
